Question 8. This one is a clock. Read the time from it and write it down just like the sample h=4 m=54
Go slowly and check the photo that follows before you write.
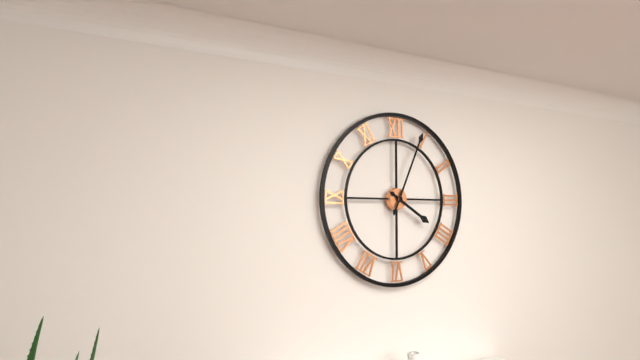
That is h=4 m=4
